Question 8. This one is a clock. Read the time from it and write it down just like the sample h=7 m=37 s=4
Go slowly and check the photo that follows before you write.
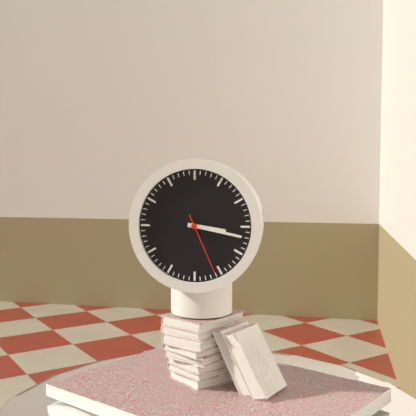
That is h=3 m=17 s=26
